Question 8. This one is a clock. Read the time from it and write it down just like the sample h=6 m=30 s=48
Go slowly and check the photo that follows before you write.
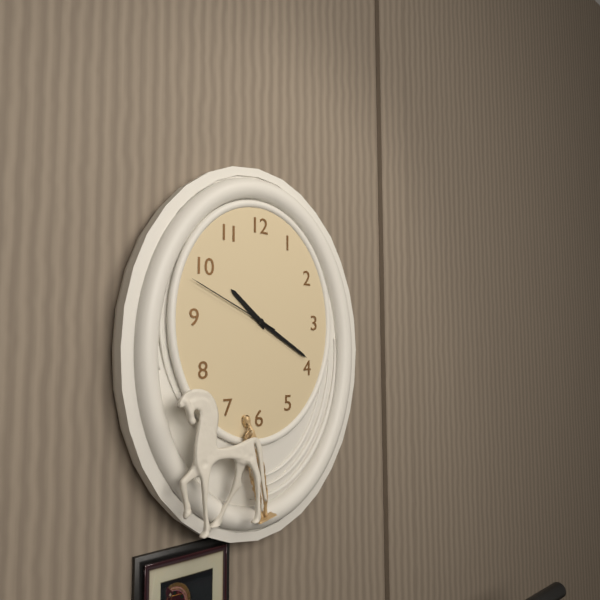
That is h=10 m=20 s=49
